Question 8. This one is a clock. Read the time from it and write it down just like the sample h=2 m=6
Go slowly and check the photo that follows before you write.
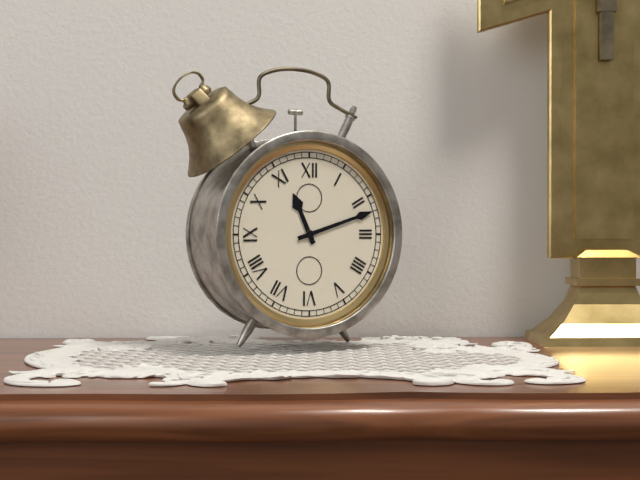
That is h=11 m=12
